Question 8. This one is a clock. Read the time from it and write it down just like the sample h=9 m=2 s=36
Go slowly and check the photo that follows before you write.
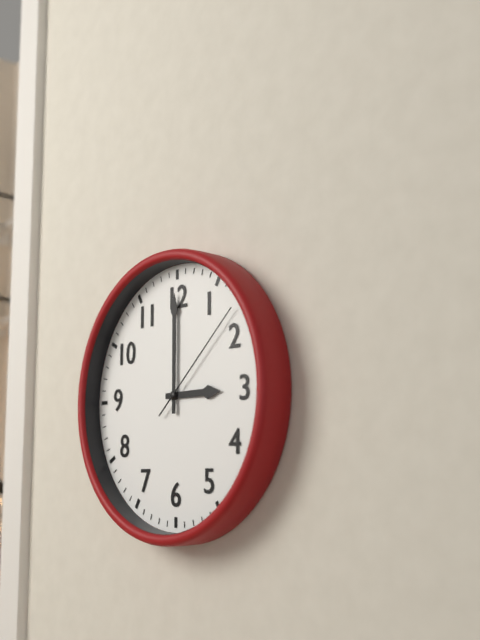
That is h=3 m=0 s=8
